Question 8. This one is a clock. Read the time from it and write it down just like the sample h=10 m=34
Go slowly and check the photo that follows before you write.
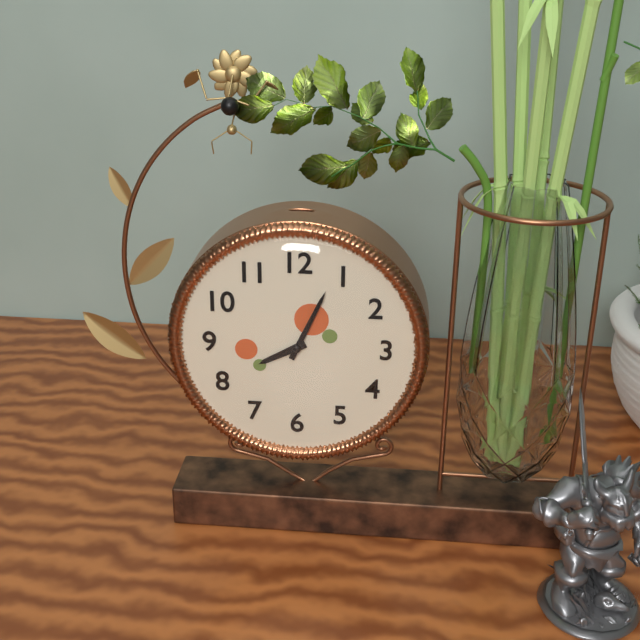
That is h=8 m=4
